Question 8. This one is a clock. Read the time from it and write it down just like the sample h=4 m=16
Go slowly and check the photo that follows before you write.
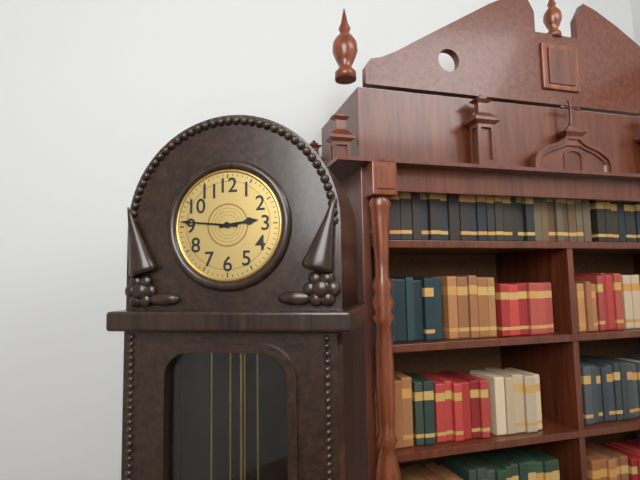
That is h=2 m=46
